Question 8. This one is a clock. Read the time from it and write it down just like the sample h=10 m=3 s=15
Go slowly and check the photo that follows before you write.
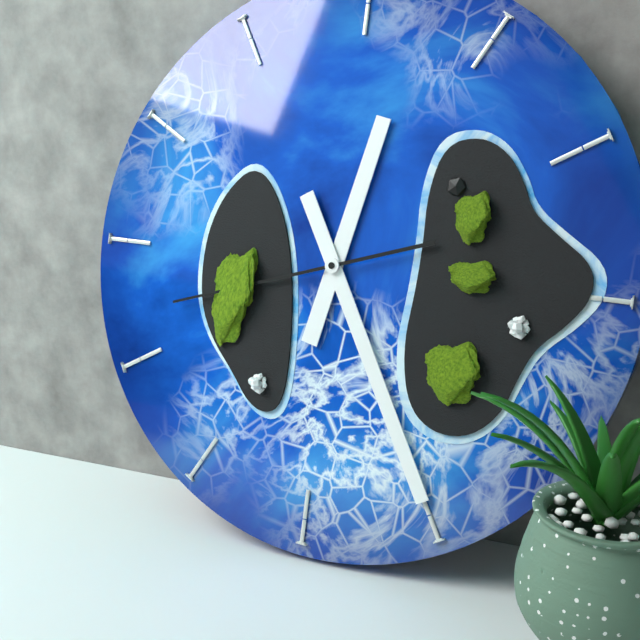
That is h=12 m=25 s=42
